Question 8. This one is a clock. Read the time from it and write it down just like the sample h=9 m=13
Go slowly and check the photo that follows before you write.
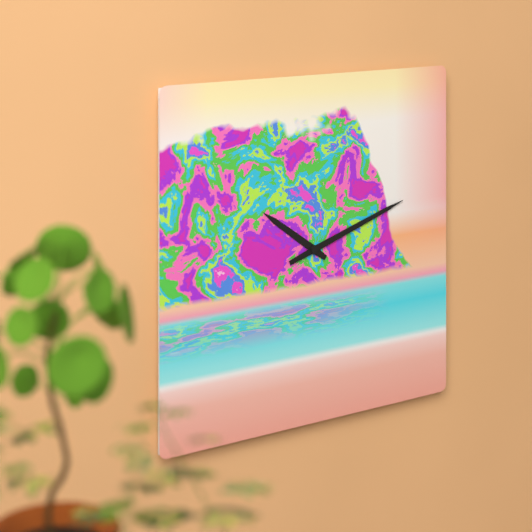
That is h=10 m=12
